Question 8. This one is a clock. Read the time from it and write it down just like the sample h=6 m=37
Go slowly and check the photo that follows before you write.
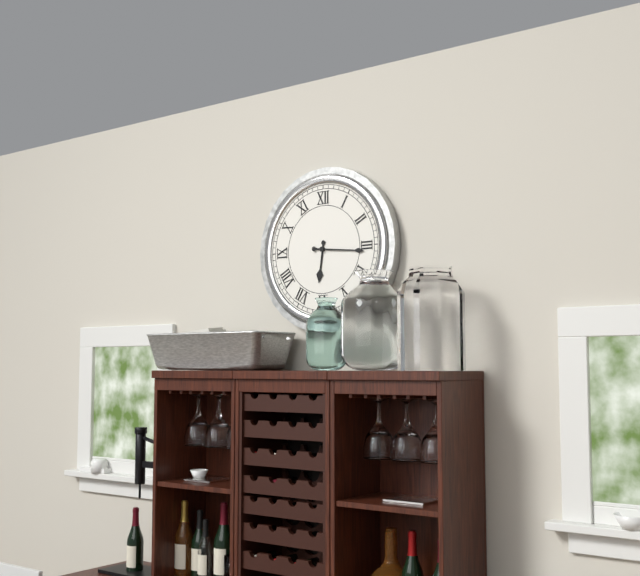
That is h=6 m=16
